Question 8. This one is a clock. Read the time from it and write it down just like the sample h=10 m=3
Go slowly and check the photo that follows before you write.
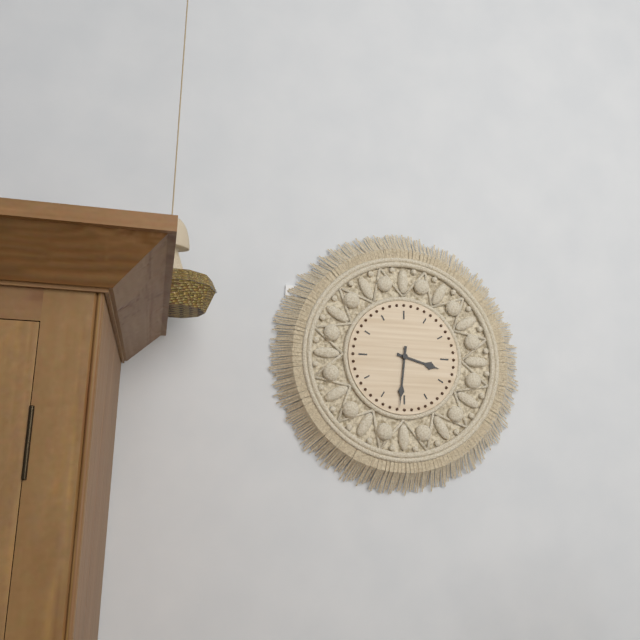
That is h=3 m=31
